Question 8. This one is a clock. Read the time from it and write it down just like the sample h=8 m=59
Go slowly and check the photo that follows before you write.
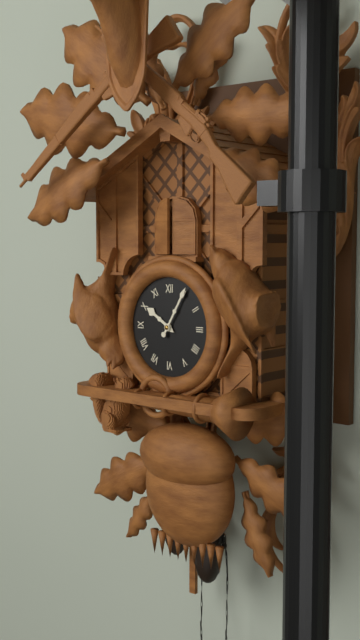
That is h=10 m=5
